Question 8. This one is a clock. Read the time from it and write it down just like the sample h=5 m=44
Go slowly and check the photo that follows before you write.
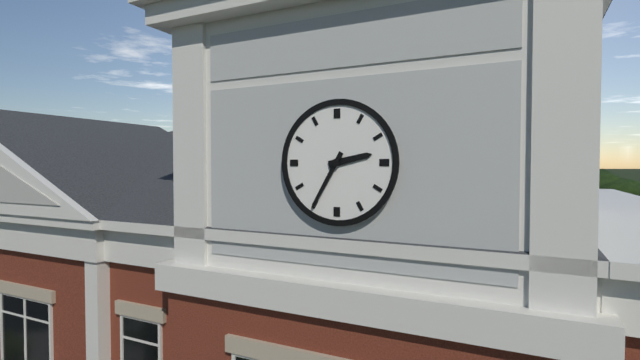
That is h=2 m=35
